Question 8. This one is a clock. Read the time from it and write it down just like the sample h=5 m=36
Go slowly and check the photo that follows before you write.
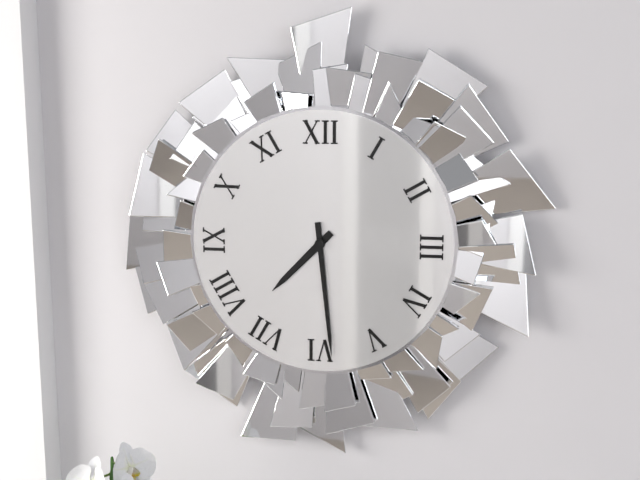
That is h=7 m=29
